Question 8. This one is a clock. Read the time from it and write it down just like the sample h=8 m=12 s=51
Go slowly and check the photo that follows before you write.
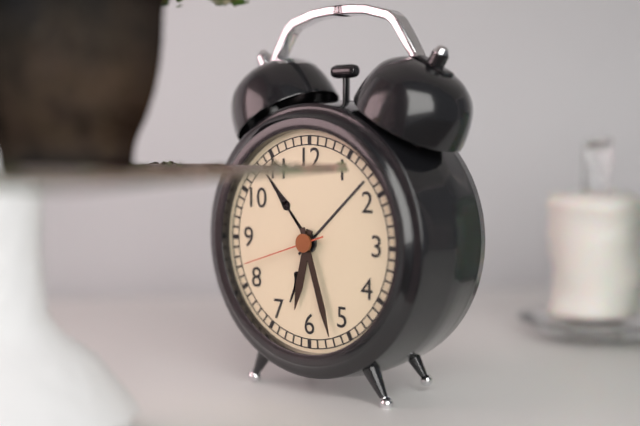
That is h=6 m=27 s=42
